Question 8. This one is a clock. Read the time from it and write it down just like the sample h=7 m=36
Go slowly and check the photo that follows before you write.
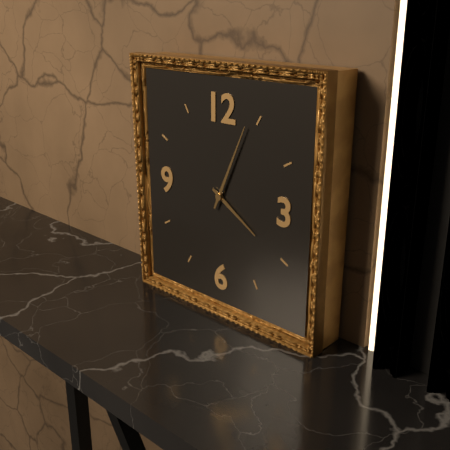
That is h=4 m=4
